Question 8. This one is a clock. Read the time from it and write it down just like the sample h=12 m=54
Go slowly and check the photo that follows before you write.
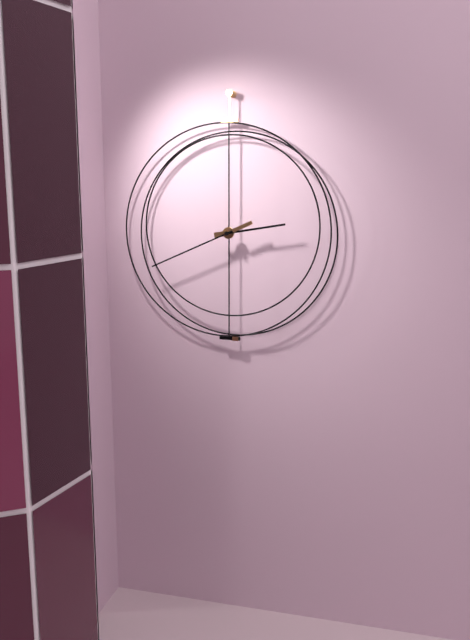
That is h=2 m=41
